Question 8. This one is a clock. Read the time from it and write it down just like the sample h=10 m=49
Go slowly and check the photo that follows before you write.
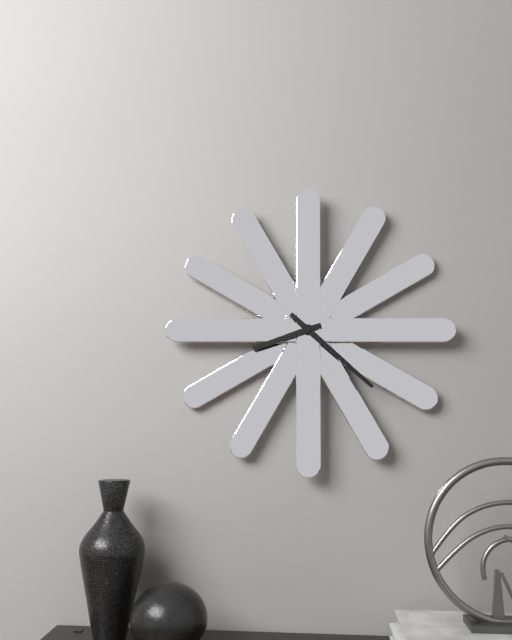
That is h=8 m=22
